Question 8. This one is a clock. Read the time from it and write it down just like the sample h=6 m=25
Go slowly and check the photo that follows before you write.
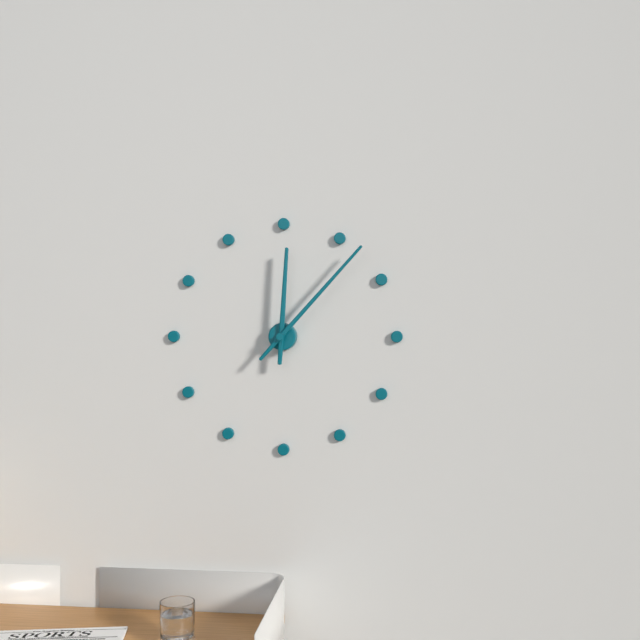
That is h=12 m=7
